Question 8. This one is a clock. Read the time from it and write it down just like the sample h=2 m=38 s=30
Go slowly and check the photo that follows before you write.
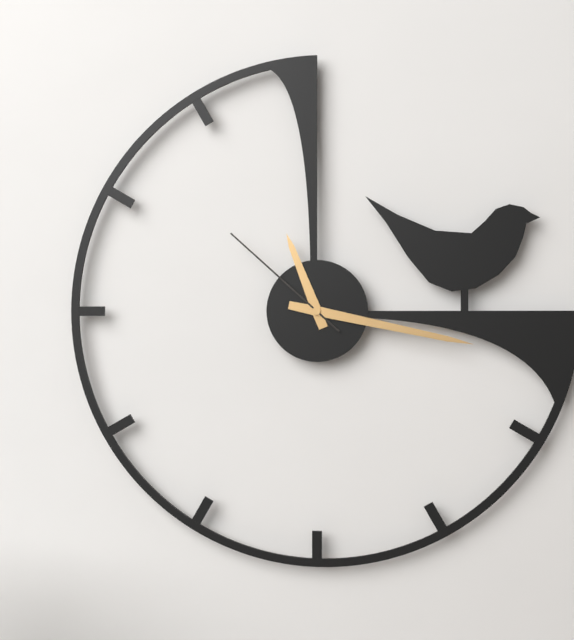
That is h=11 m=17 s=52
